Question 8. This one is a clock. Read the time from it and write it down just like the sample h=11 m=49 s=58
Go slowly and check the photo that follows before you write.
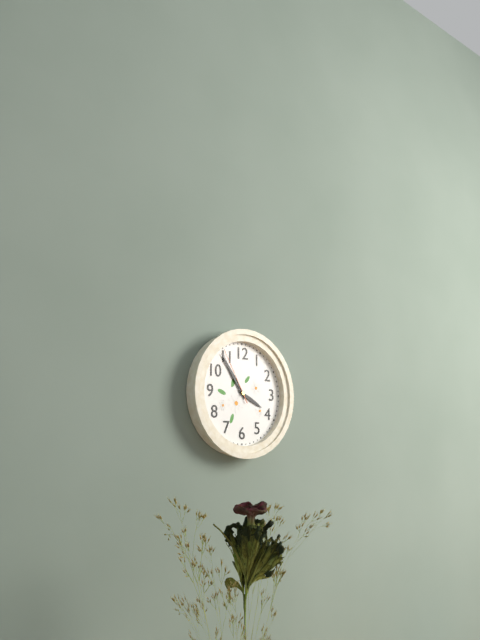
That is h=3 m=54 s=55
